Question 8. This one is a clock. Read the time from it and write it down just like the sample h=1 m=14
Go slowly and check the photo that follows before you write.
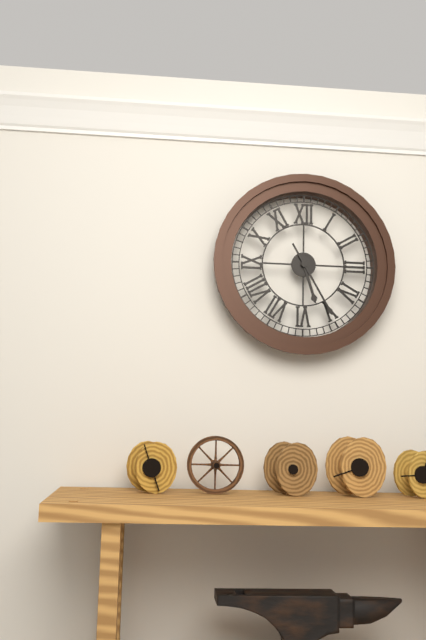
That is h=5 m=25
